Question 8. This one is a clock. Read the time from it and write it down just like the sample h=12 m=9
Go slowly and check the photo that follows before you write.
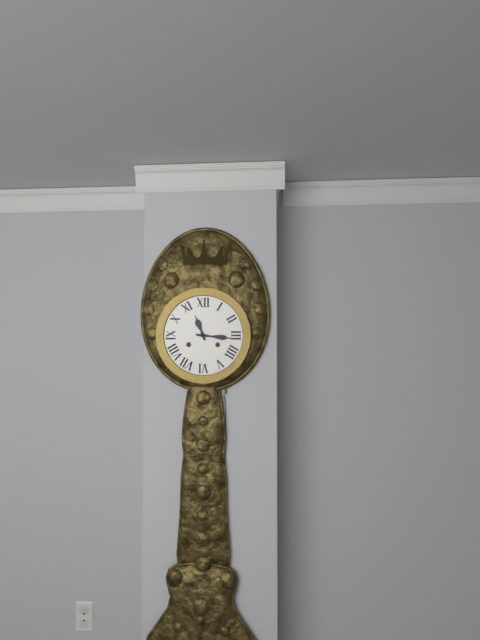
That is h=11 m=16
